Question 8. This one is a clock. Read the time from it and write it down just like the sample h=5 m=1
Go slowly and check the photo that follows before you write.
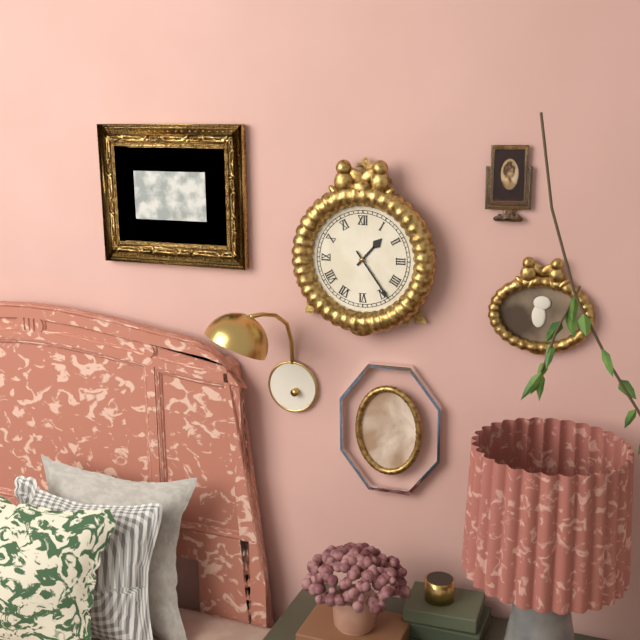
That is h=1 m=24
